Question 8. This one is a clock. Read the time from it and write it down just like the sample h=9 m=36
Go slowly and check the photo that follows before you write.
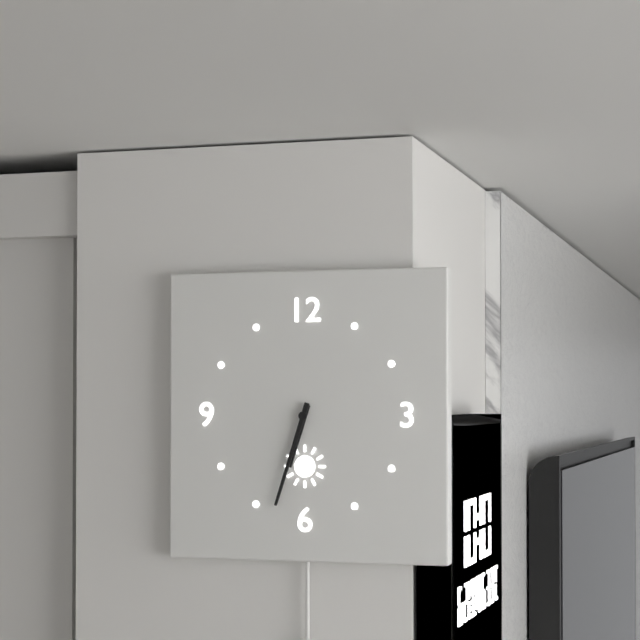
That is h=6 m=33
